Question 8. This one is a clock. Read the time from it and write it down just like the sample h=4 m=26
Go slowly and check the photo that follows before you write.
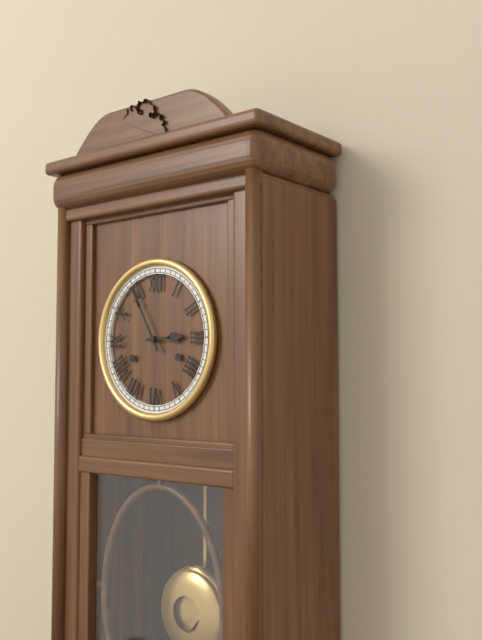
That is h=2 m=55
